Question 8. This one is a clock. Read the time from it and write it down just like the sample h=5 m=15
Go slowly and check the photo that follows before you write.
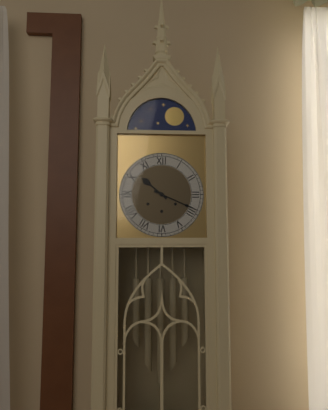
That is h=10 m=19
